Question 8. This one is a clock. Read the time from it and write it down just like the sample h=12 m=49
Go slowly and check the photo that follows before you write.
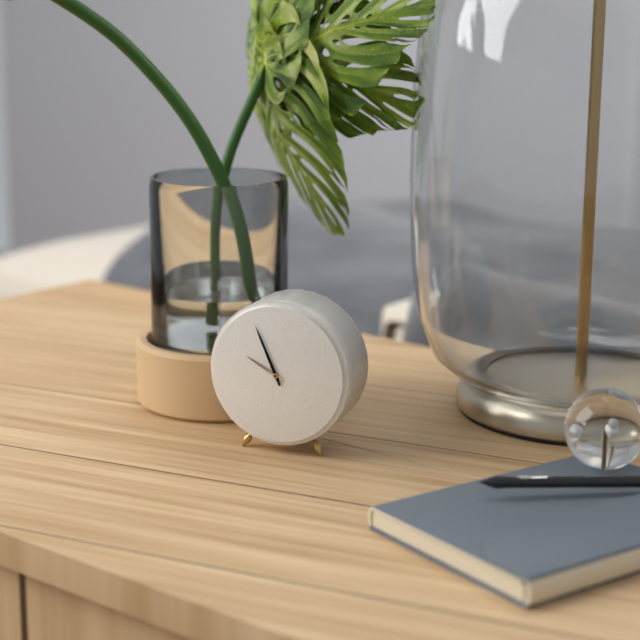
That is h=9 m=56
